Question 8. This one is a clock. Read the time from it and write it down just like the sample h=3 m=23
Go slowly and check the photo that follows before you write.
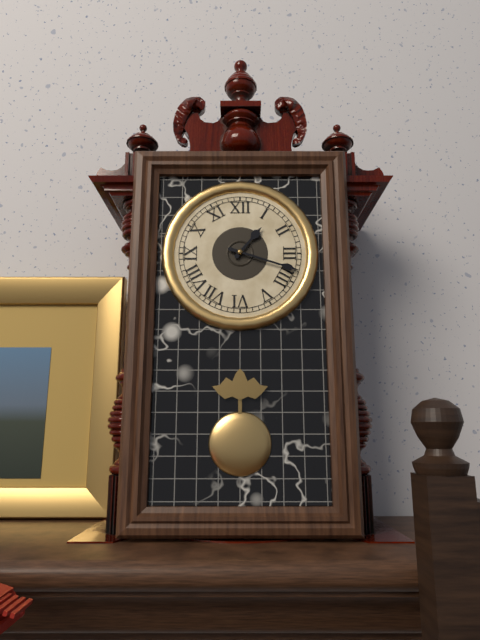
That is h=1 m=18
